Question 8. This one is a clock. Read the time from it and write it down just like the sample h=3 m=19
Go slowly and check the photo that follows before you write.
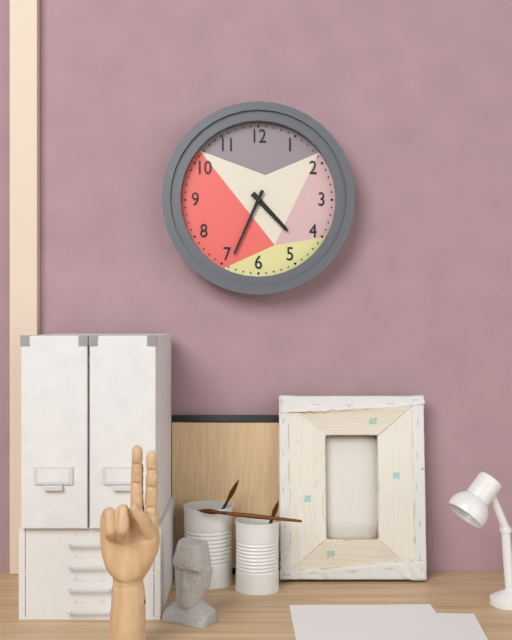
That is h=4 m=34
